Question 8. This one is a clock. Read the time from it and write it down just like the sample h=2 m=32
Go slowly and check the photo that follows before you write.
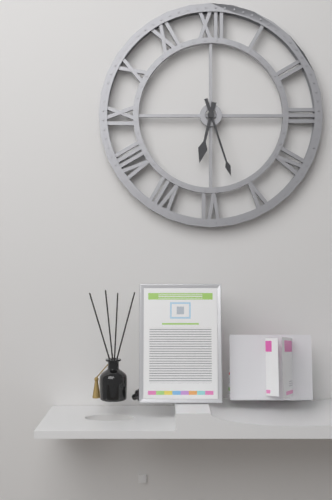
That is h=6 m=27
